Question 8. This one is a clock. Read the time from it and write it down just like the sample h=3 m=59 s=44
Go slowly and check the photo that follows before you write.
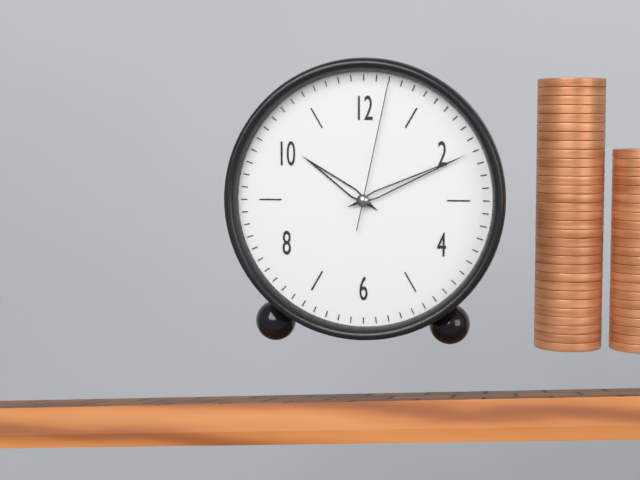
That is h=10 m=11 s=2
